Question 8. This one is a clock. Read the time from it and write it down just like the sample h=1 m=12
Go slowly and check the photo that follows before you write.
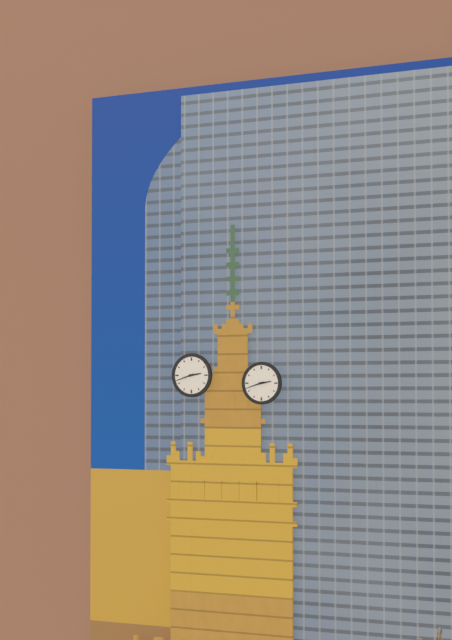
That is h=2 m=42
